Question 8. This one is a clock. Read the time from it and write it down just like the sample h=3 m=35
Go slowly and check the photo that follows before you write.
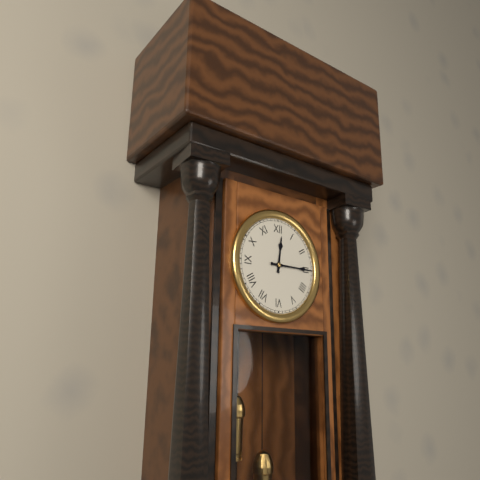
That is h=12 m=15
